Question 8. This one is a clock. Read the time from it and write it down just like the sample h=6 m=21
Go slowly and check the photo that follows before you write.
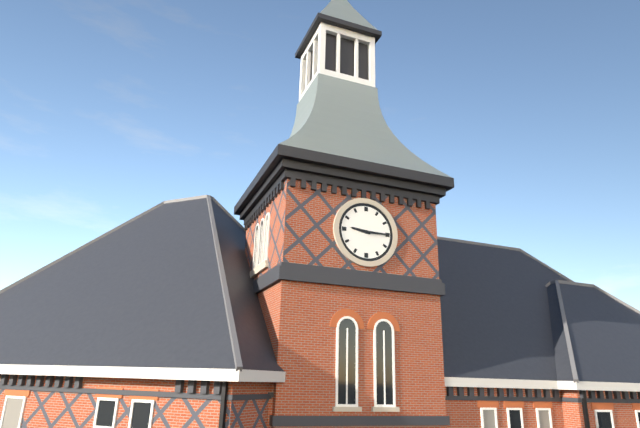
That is h=9 m=15
